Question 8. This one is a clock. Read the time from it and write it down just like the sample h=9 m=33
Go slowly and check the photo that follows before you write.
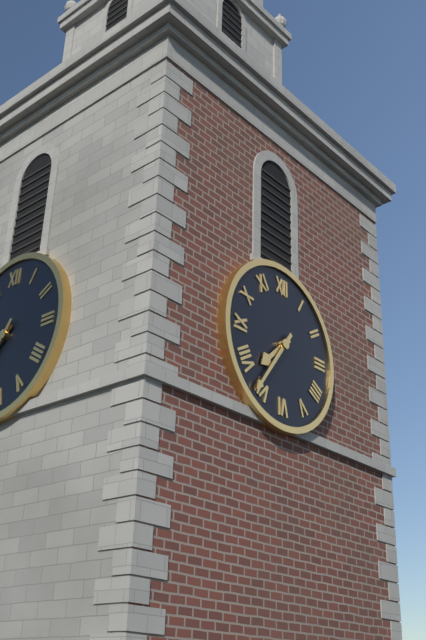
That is h=7 m=36
